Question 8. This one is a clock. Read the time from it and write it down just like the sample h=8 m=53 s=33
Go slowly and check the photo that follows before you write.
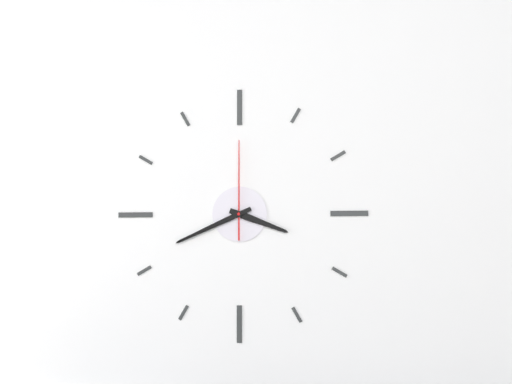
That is h=3 m=41 s=0
